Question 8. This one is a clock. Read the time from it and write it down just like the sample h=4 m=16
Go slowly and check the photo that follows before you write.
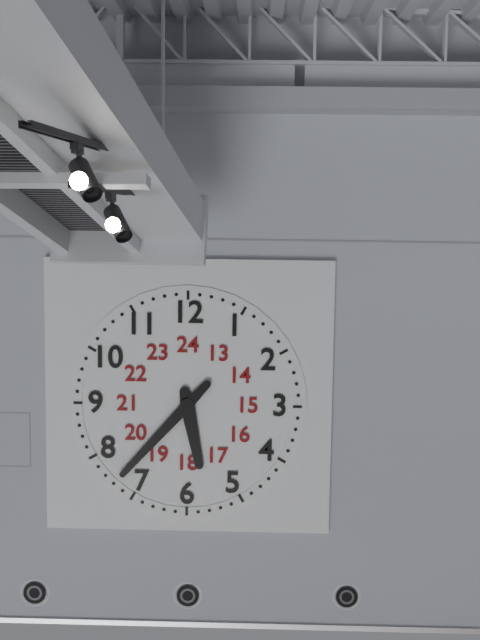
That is h=5 m=37
